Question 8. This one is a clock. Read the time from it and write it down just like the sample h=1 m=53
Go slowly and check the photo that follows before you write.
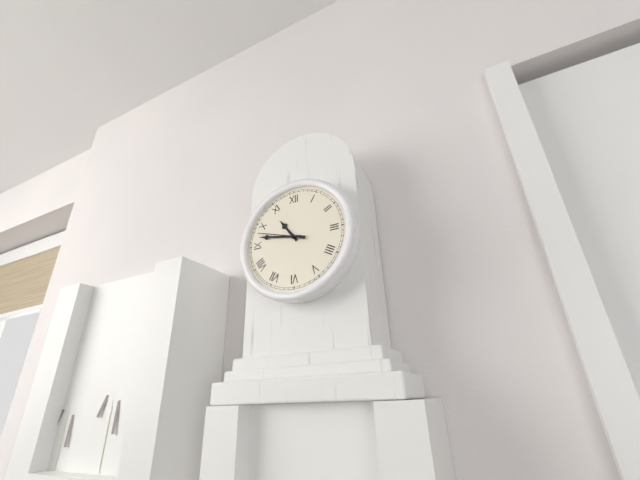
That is h=10 m=47
